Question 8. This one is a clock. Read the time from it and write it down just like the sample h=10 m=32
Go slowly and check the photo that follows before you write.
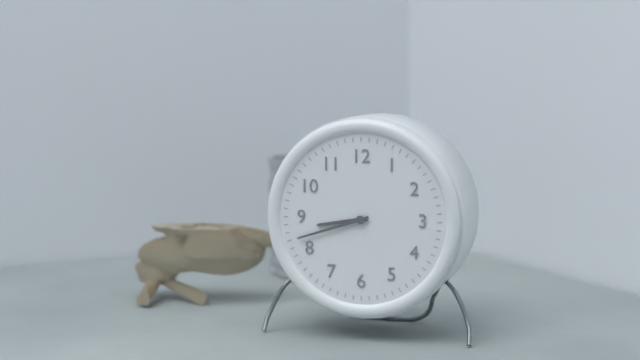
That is h=8 m=42
